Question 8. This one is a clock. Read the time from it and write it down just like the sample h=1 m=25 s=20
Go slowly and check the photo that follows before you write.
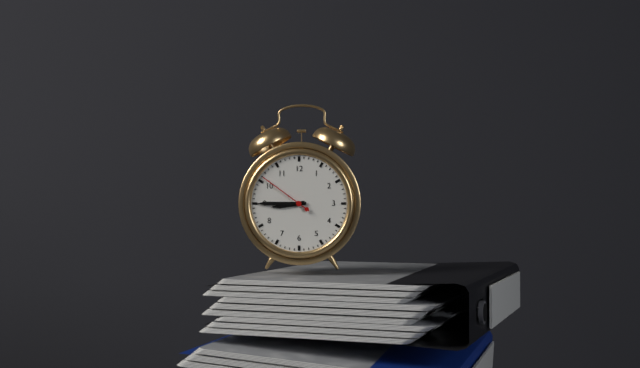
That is h=8 m=45 s=51
